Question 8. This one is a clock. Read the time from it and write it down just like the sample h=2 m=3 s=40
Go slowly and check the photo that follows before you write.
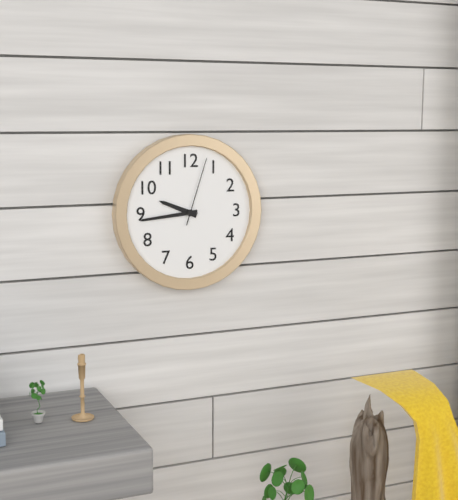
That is h=9 m=44 s=3
